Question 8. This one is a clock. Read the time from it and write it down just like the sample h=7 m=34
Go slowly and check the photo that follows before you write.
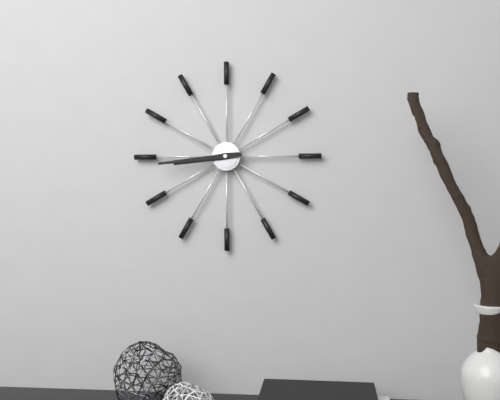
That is h=8 m=44
